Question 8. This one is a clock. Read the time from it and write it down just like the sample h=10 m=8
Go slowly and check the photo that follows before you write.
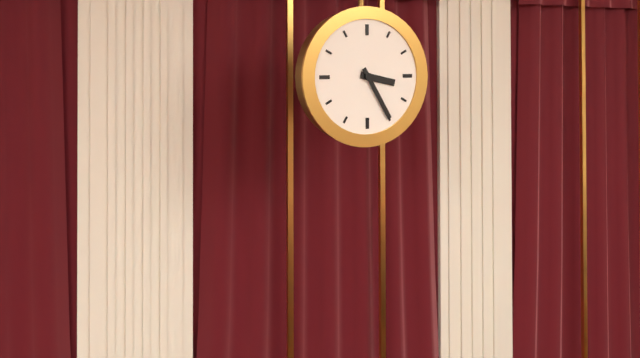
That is h=3 m=25
